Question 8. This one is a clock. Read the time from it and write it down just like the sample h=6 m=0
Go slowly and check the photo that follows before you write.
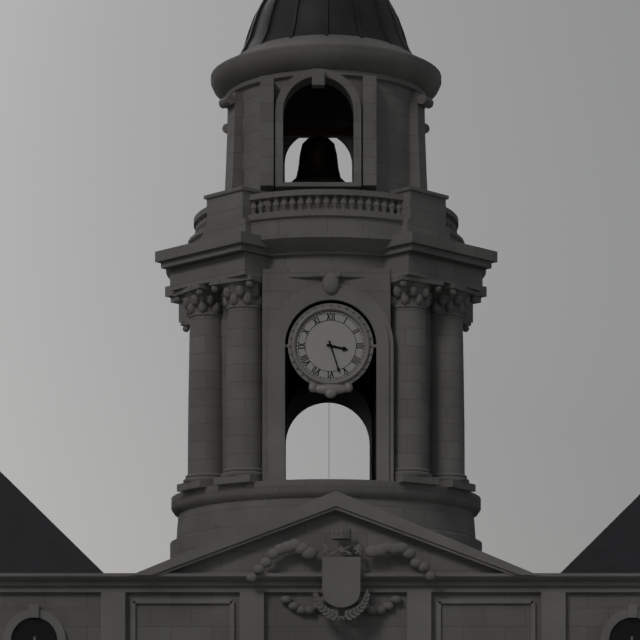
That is h=3 m=27
